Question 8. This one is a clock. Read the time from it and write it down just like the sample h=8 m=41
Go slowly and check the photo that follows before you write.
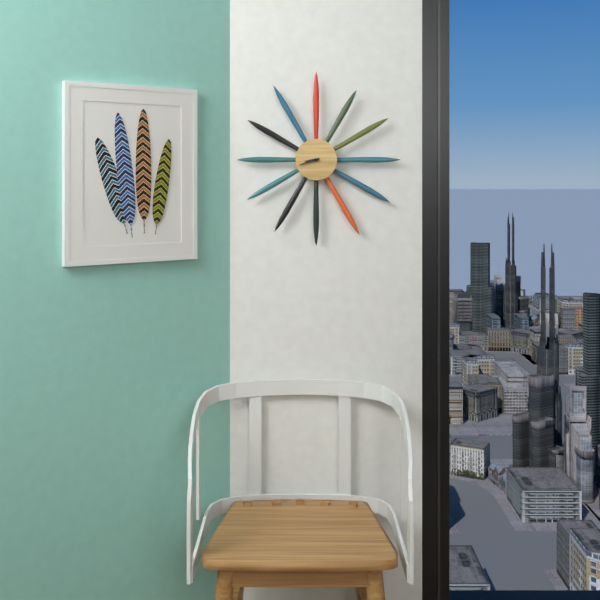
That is h=8 m=42
